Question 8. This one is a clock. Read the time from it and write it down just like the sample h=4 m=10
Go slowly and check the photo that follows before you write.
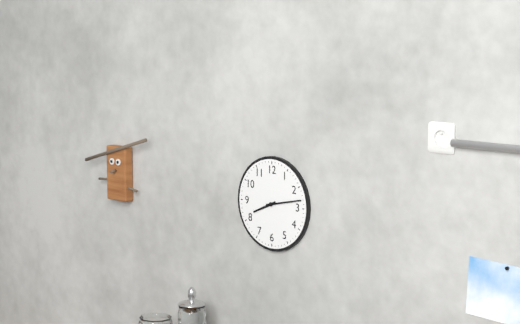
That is h=8 m=13
